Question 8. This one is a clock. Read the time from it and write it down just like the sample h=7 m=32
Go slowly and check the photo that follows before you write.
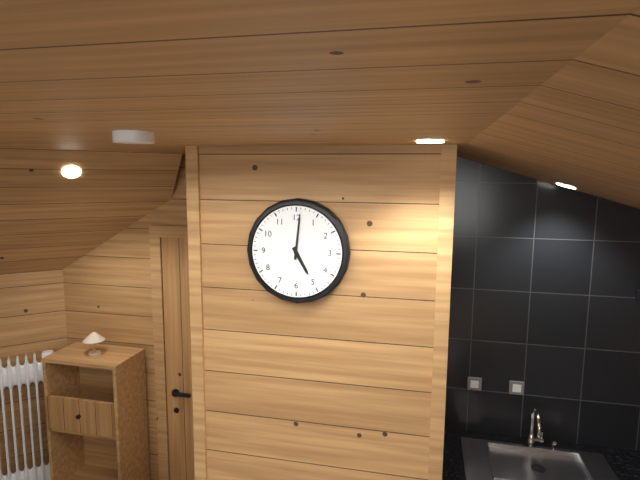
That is h=5 m=1
